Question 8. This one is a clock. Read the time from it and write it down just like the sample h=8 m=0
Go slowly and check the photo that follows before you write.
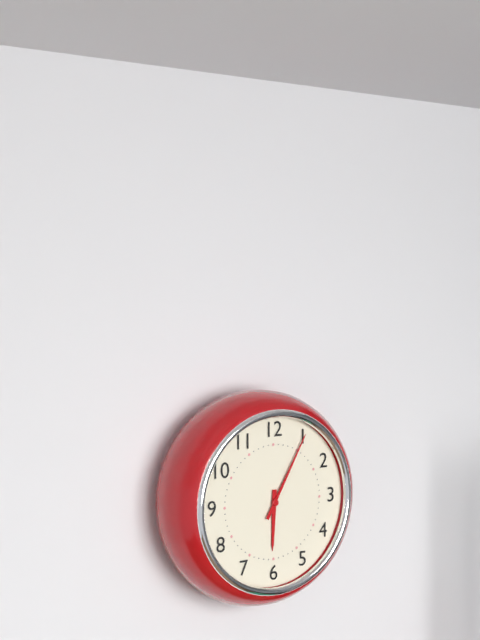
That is h=6 m=5
